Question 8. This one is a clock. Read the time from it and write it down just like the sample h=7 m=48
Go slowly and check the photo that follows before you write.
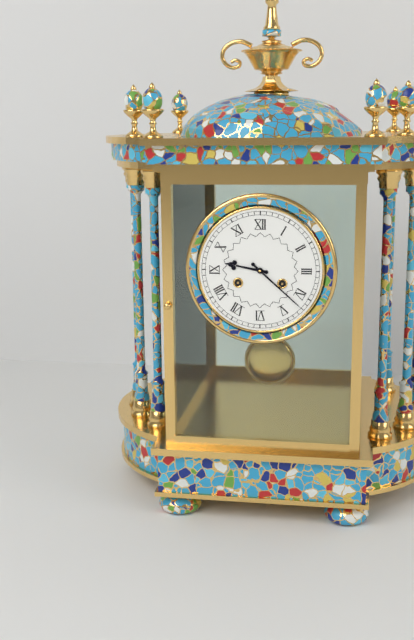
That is h=9 m=22
